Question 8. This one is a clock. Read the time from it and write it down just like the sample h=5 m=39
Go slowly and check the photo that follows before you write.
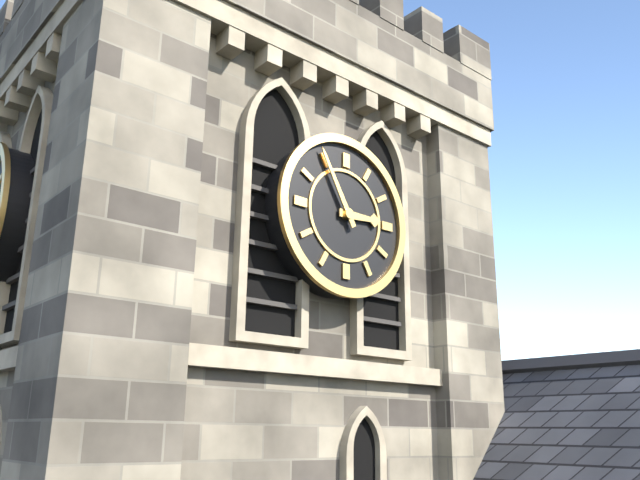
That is h=2 m=55
